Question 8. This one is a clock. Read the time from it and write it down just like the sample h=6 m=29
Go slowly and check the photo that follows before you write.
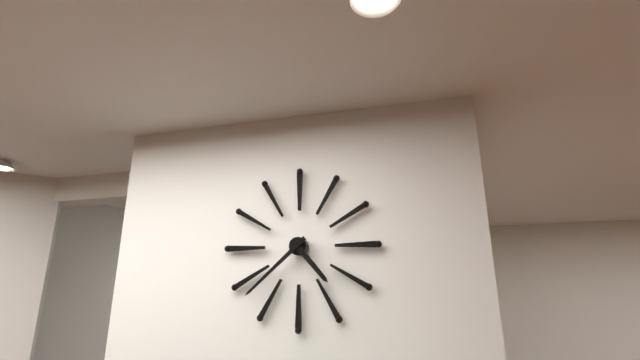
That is h=4 m=38
